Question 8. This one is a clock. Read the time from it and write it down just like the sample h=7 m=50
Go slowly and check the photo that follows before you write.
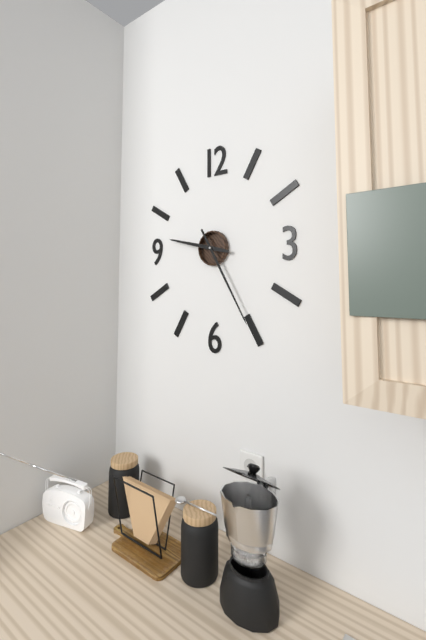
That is h=9 m=25
